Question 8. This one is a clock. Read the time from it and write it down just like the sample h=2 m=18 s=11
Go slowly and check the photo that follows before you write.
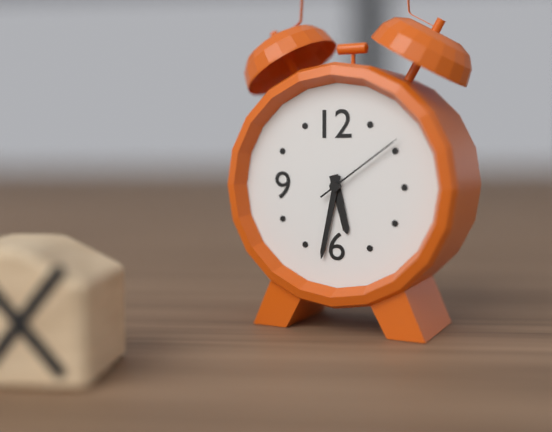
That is h=5 m=32 s=9
